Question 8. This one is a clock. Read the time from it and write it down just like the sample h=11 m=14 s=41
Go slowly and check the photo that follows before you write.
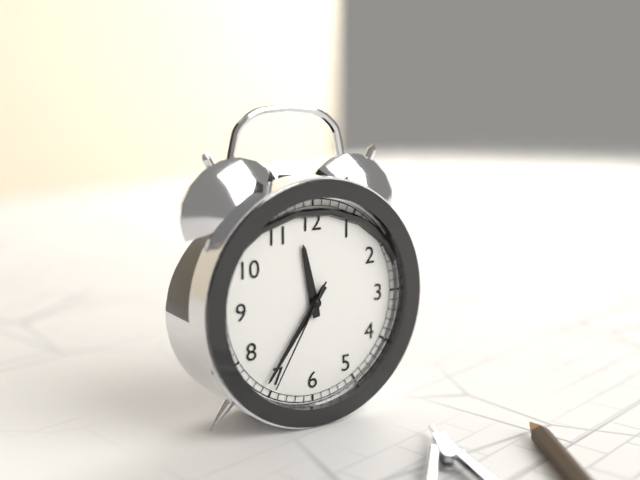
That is h=11 m=36 s=35
